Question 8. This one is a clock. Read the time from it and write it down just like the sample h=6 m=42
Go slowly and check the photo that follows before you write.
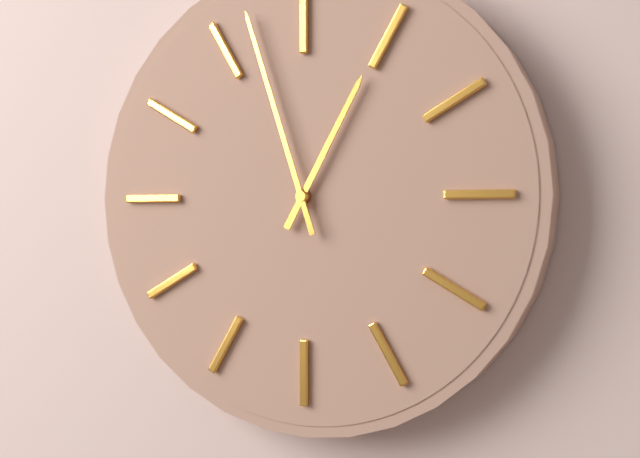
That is h=12 m=57
